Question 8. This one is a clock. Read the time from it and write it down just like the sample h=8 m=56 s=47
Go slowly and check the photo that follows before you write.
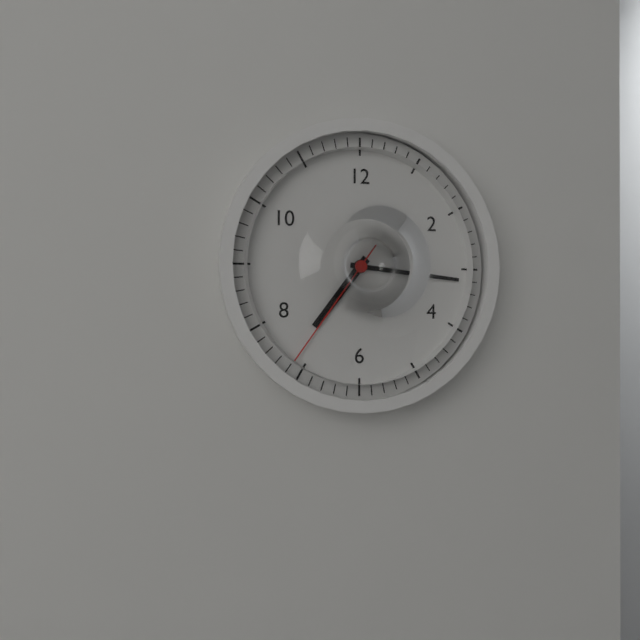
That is h=7 m=16 s=36
